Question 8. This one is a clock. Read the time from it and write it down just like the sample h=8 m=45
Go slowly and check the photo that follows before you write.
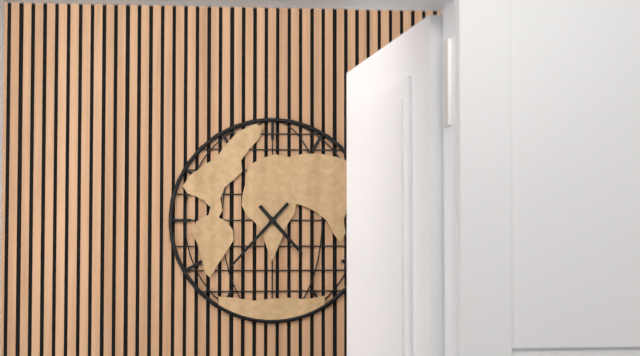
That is h=4 m=37
